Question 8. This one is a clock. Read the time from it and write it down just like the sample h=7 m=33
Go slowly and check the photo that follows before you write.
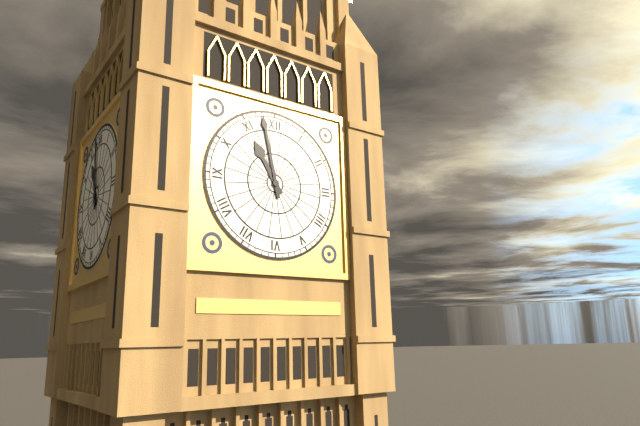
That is h=10 m=58
